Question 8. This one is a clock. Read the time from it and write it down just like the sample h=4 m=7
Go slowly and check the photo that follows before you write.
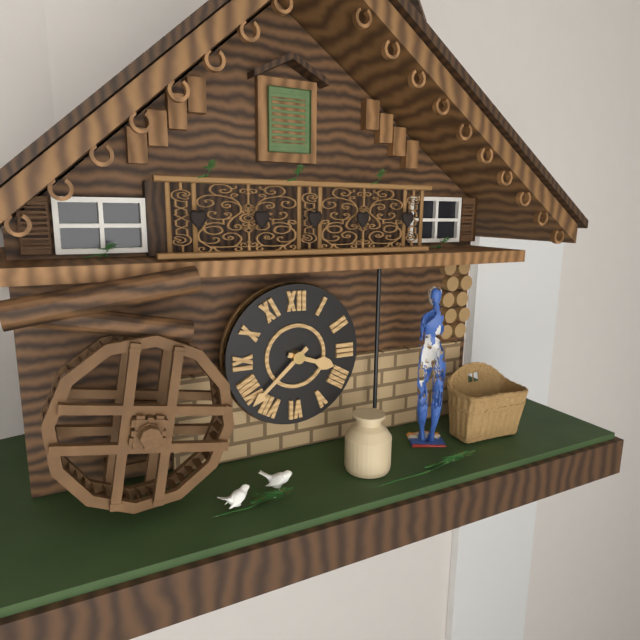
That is h=3 m=38
